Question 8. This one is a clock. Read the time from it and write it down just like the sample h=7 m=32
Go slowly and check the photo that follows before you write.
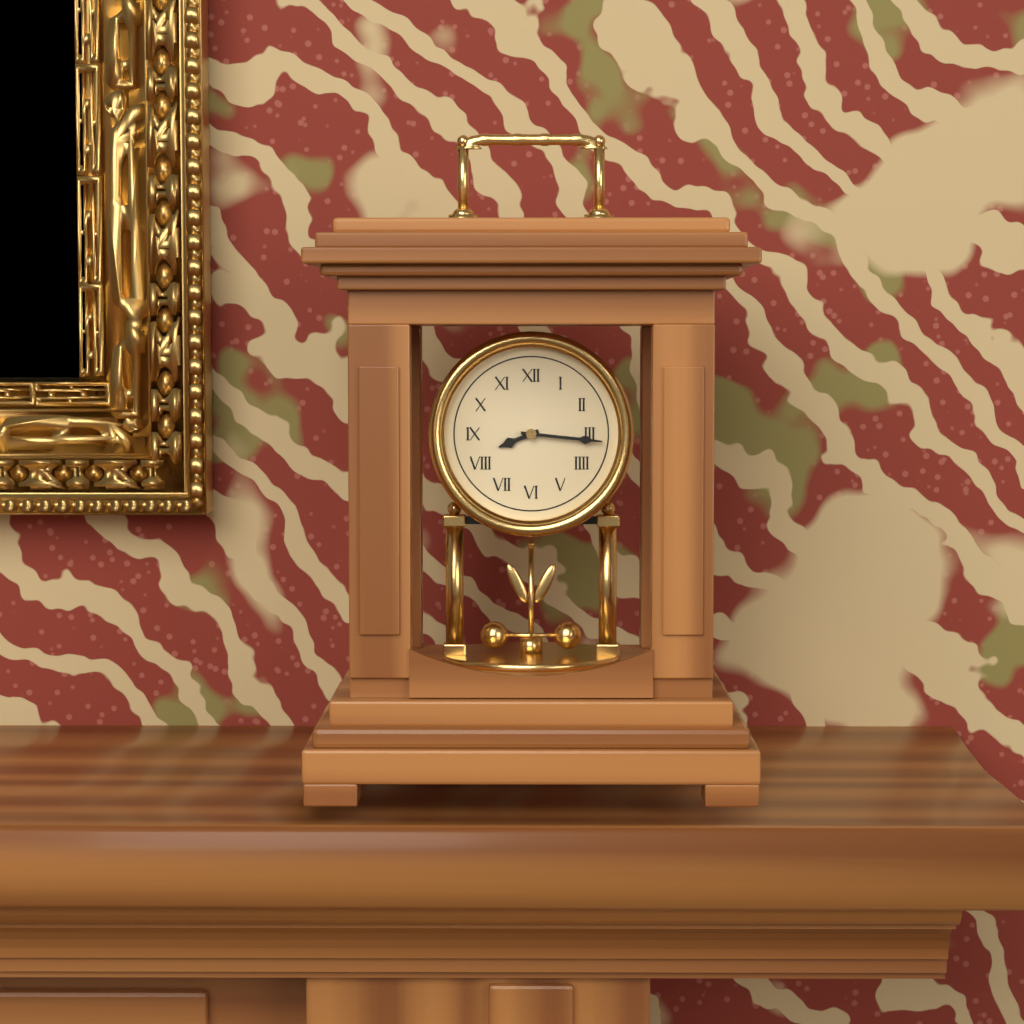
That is h=8 m=16
